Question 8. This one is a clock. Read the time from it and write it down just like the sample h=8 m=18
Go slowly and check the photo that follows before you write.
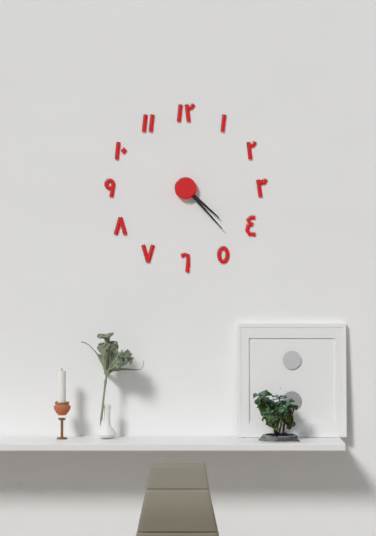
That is h=4 m=23
